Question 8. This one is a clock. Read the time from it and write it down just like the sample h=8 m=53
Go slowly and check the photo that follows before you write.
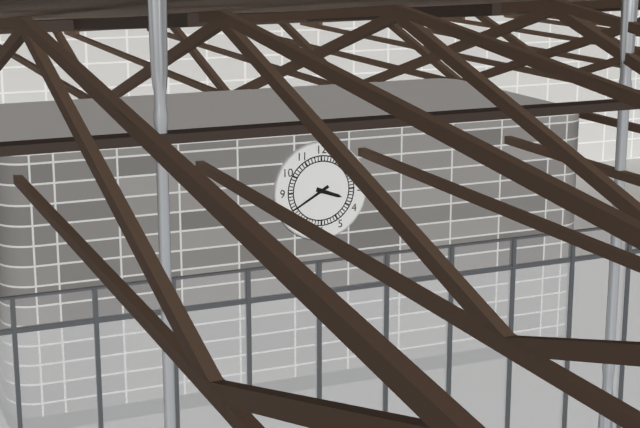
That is h=3 m=40
